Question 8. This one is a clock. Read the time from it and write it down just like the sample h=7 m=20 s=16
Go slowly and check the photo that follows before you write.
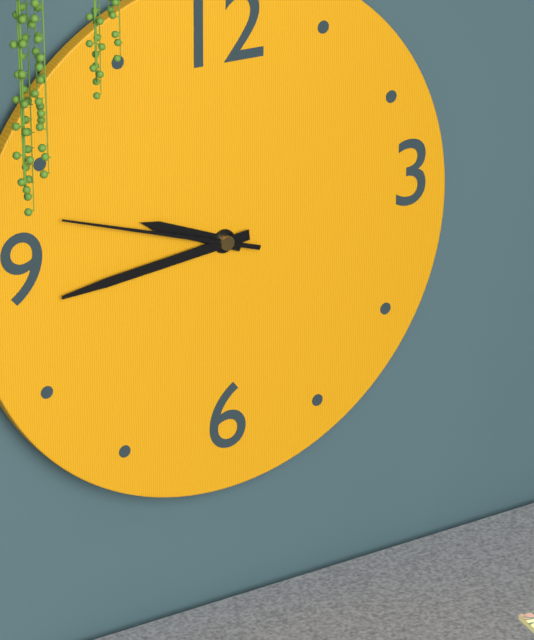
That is h=9 m=44 s=48
